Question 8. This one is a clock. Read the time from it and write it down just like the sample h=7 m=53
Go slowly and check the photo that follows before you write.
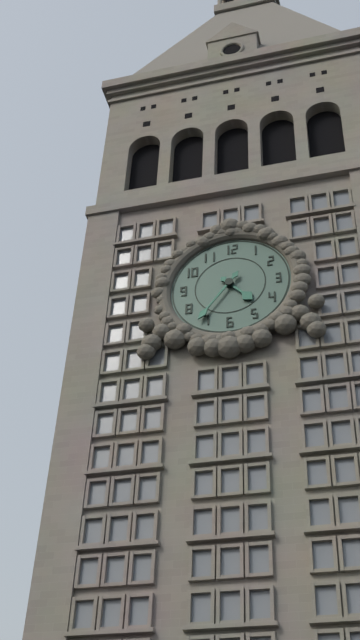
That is h=4 m=36
